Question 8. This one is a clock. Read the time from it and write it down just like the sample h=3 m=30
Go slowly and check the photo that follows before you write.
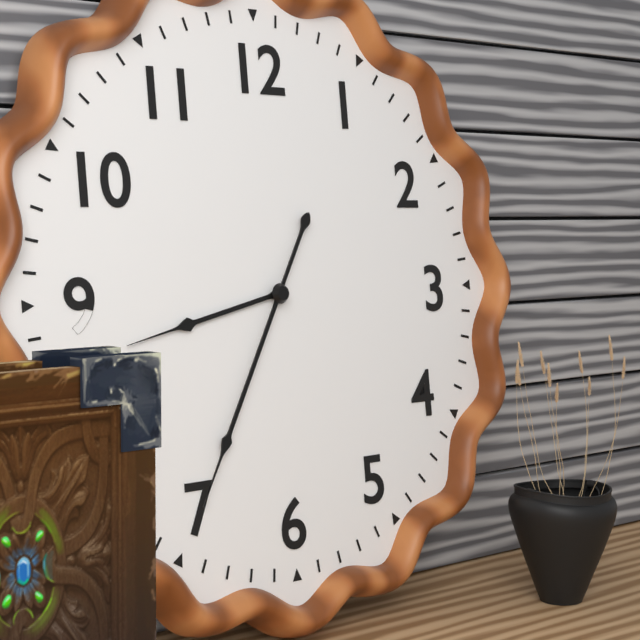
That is h=8 m=35
